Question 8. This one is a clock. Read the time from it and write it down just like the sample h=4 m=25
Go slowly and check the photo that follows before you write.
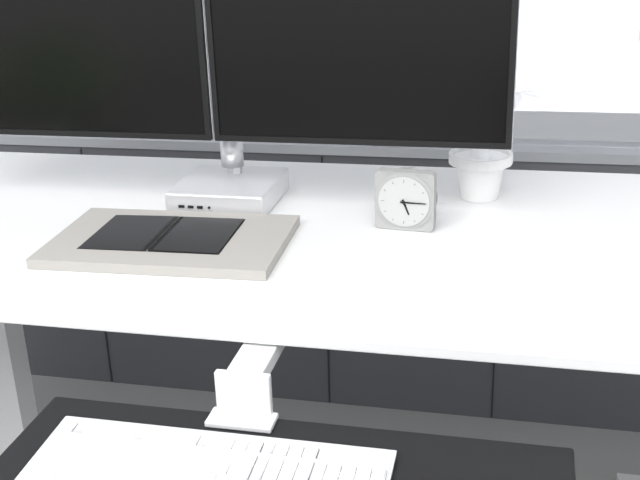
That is h=5 m=15
